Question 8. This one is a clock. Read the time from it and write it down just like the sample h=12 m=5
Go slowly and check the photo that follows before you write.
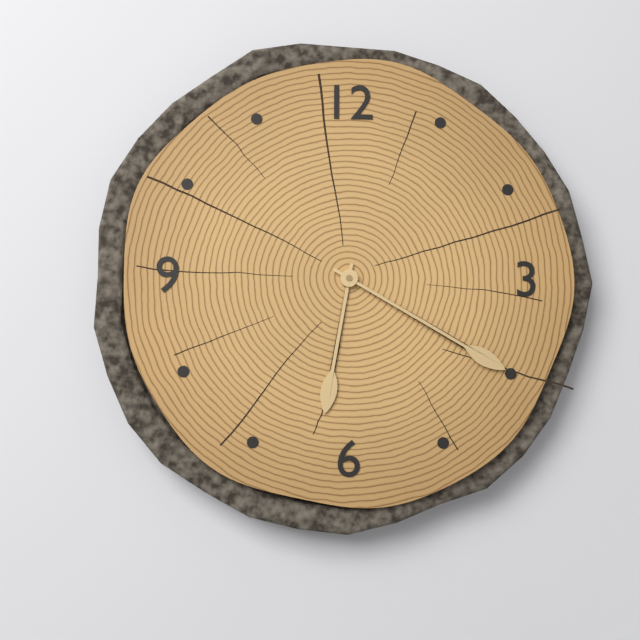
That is h=6 m=20
